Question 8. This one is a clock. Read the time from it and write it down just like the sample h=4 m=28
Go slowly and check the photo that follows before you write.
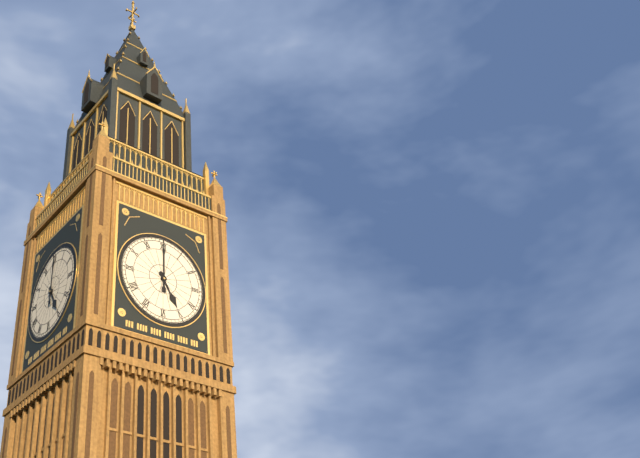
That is h=5 m=0
